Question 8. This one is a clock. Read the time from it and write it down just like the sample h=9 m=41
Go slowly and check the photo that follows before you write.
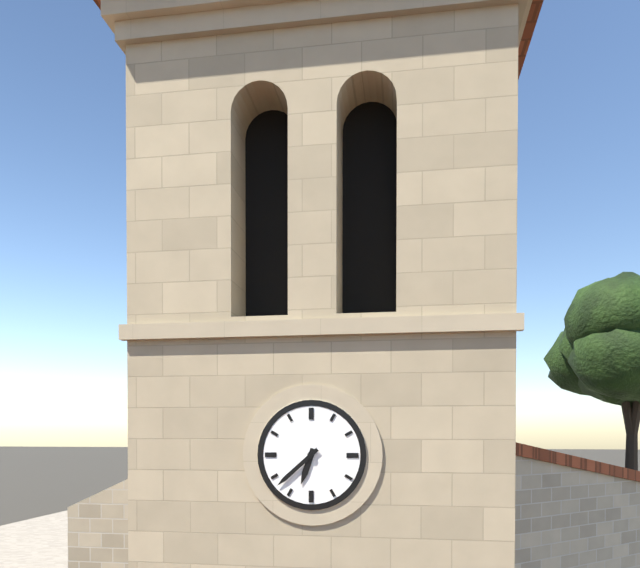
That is h=6 m=38
